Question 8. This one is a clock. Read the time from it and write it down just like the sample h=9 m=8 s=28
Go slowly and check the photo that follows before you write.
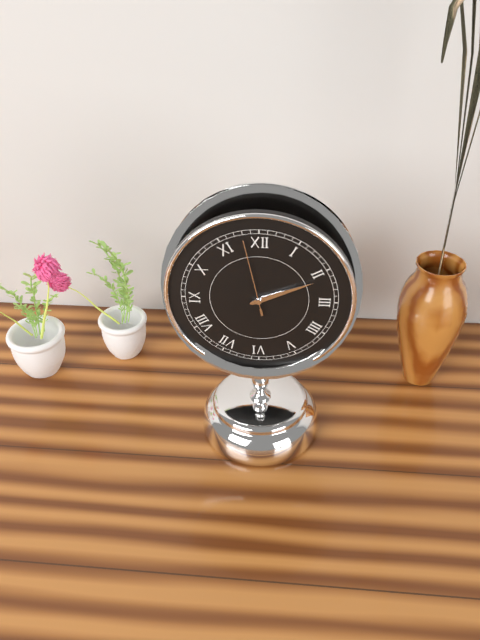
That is h=2 m=11 s=58
